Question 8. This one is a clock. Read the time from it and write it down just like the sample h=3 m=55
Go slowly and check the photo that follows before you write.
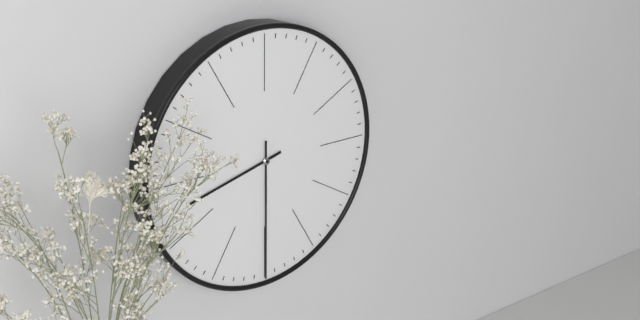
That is h=8 m=30
